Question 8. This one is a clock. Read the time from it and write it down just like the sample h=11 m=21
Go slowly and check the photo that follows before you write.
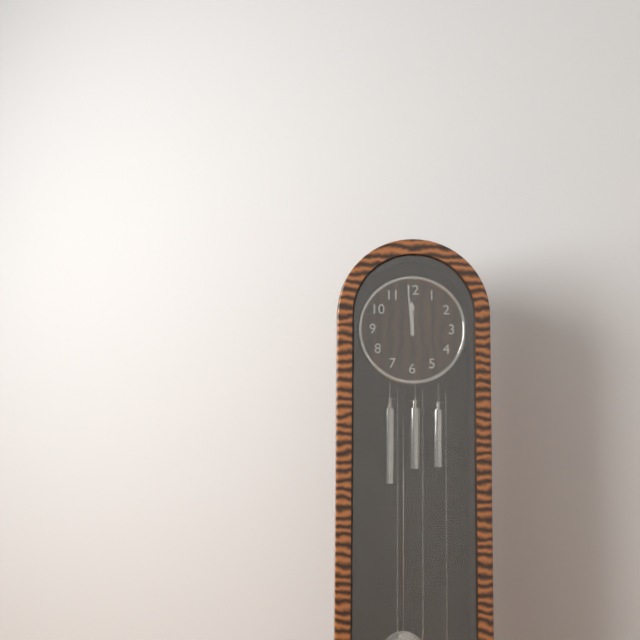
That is h=11 m=59
